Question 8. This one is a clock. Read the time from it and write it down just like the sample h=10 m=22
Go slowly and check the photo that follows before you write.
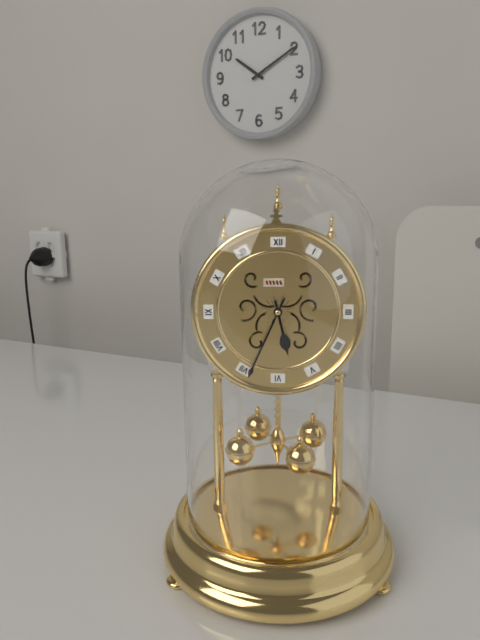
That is h=5 m=34
